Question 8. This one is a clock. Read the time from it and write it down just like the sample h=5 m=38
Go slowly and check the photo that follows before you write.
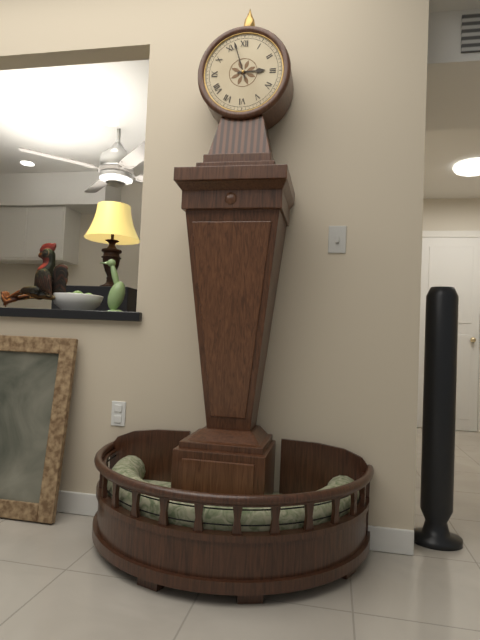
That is h=2 m=57
